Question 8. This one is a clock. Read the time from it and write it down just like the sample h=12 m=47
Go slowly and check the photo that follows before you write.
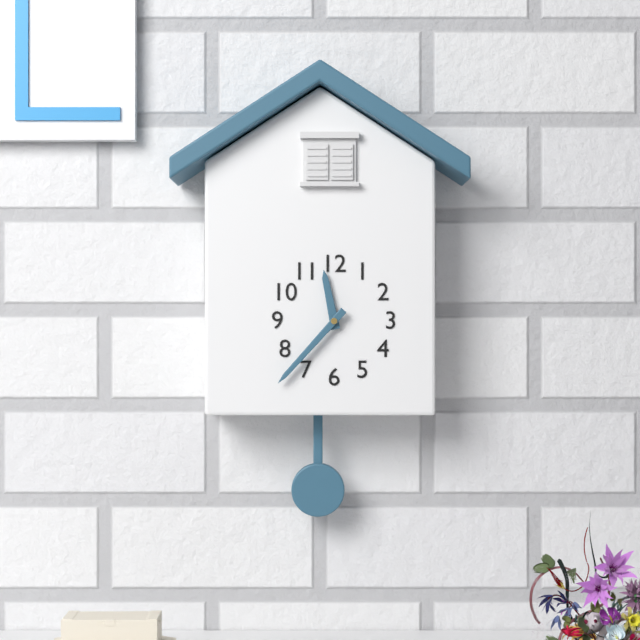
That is h=11 m=37
